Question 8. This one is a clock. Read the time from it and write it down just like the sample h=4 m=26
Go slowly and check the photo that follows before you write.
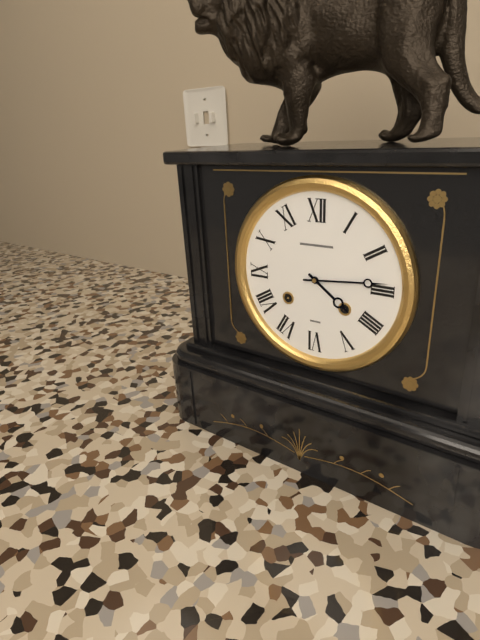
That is h=4 m=14
